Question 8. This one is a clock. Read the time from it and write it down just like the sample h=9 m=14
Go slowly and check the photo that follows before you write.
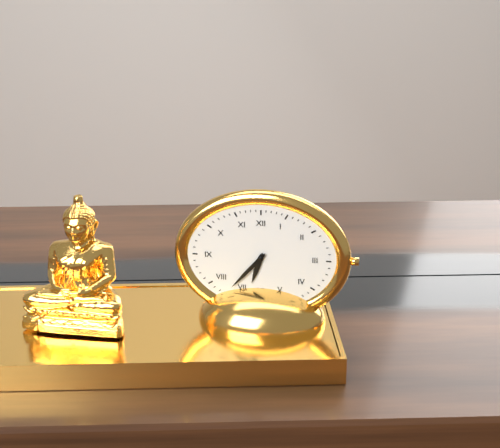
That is h=6 m=37
